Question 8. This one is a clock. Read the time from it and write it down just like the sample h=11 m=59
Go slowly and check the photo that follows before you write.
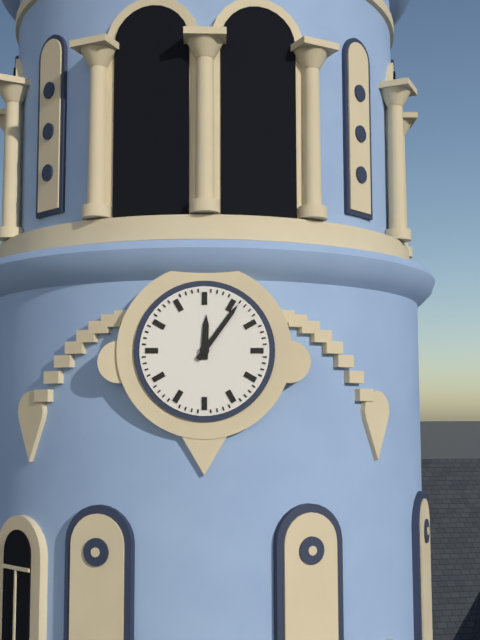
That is h=12 m=6
